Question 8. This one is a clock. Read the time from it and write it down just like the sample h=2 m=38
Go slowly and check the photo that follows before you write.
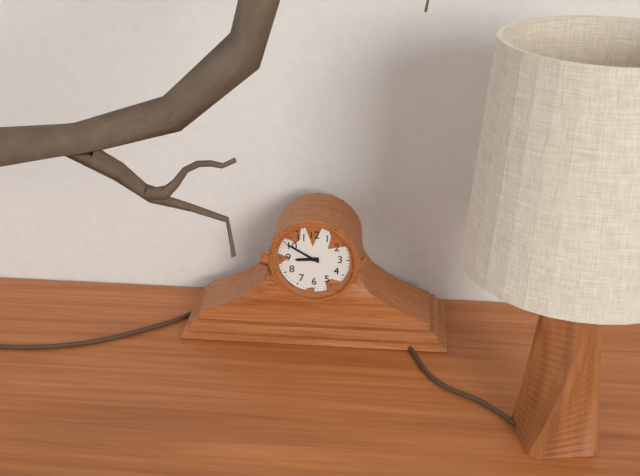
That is h=8 m=50
